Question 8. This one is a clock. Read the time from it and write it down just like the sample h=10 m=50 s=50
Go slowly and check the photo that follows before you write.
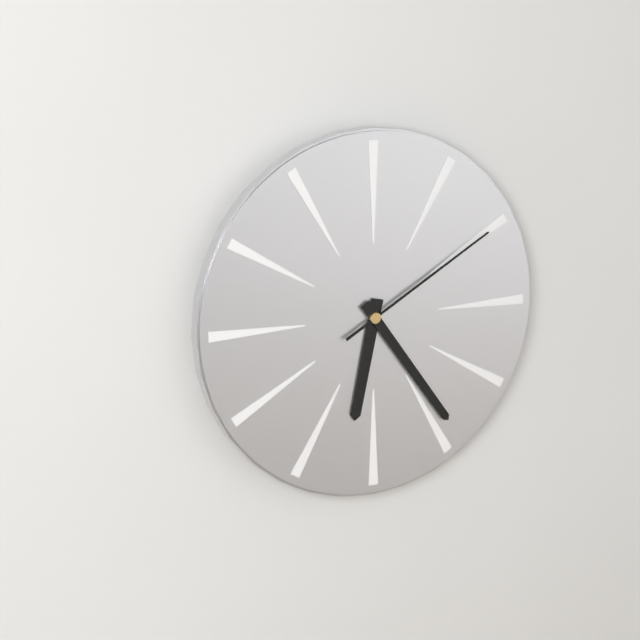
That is h=6 m=24 s=10
